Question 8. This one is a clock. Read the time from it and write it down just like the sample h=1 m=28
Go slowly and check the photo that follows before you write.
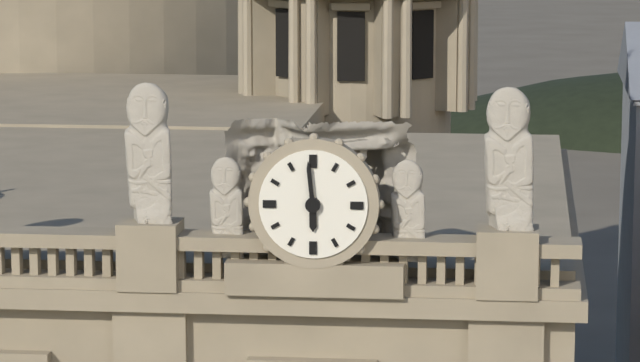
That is h=5 m=59
